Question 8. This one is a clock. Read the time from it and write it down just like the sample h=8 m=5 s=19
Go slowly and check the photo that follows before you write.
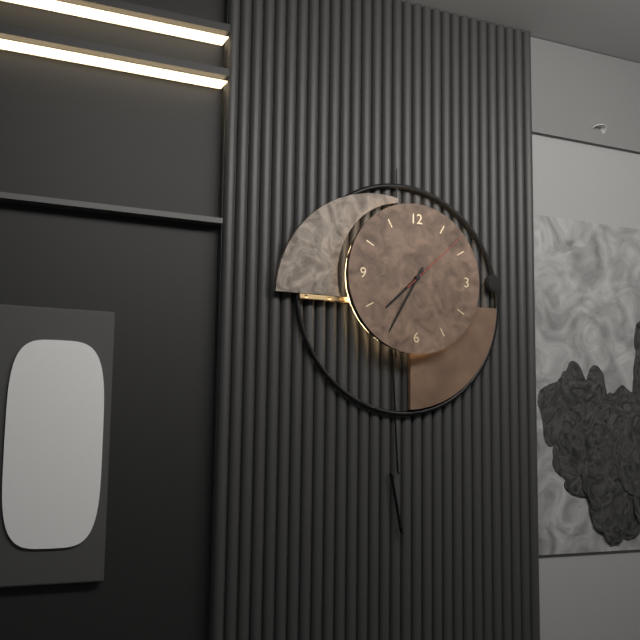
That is h=7 m=35 s=8
